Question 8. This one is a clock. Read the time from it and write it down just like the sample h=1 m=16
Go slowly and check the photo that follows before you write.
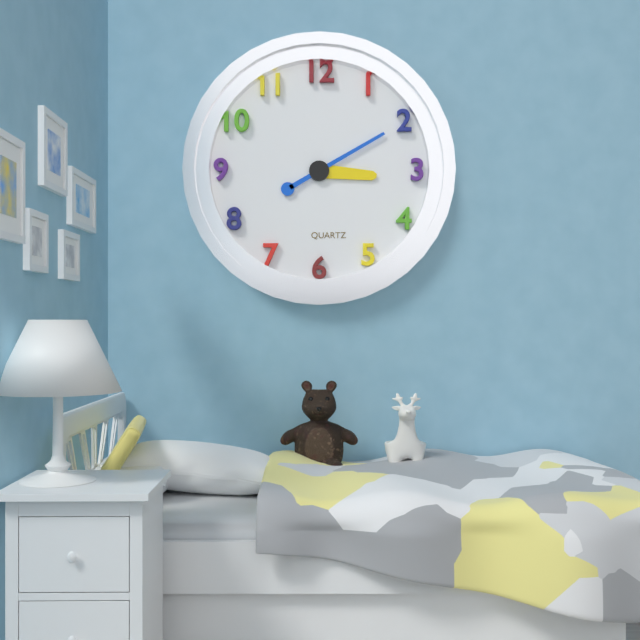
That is h=3 m=10
